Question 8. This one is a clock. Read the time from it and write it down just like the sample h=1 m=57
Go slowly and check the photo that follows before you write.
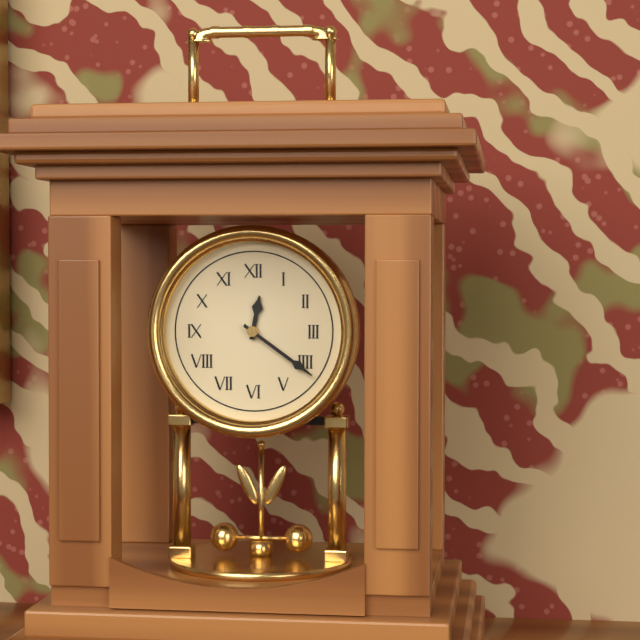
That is h=12 m=21
